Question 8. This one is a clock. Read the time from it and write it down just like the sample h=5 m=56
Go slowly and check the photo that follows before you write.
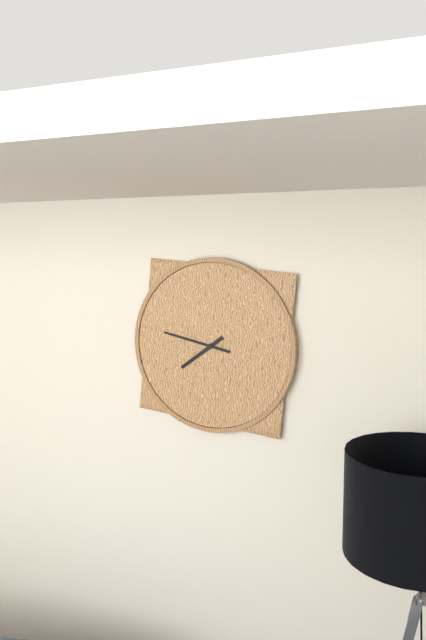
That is h=7 m=47
